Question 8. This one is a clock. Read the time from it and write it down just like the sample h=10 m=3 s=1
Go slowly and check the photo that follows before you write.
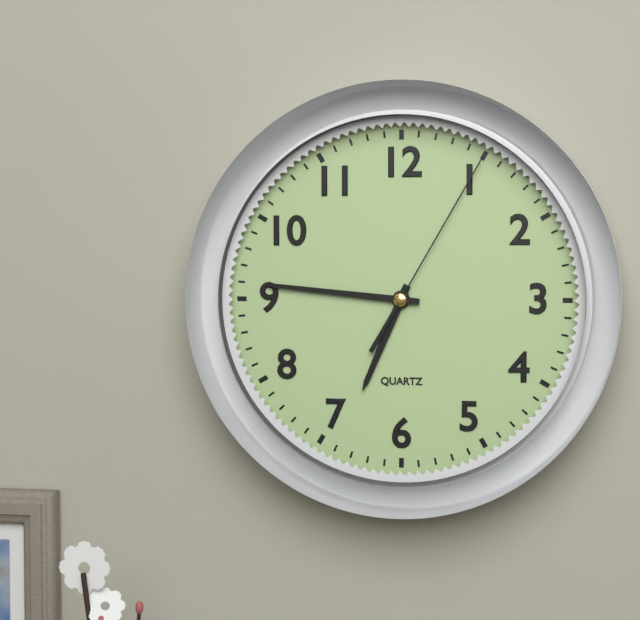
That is h=6 m=46 s=5
